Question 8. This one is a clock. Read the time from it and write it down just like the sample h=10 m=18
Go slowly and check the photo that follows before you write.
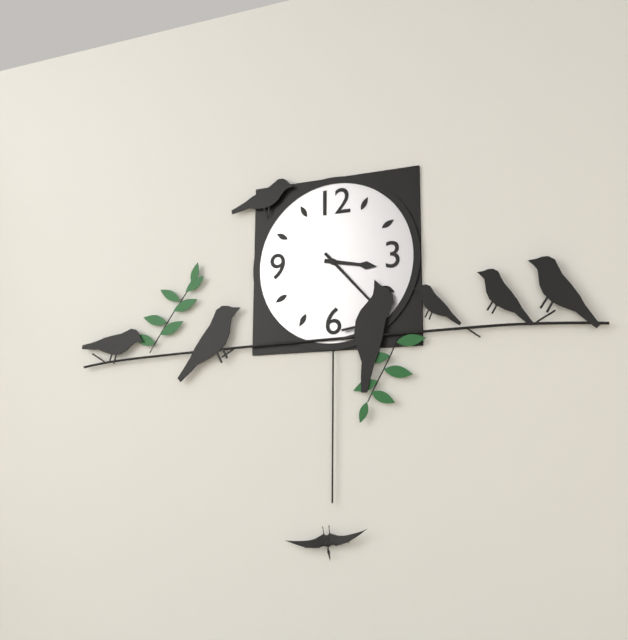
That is h=3 m=23
